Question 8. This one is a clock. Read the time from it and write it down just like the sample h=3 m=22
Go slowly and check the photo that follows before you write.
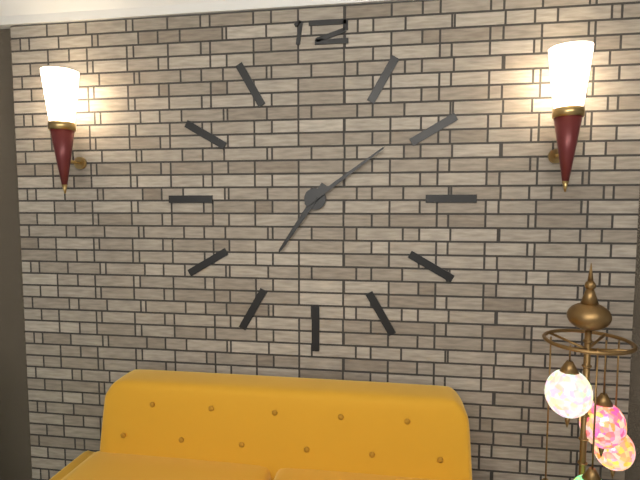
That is h=7 m=9
